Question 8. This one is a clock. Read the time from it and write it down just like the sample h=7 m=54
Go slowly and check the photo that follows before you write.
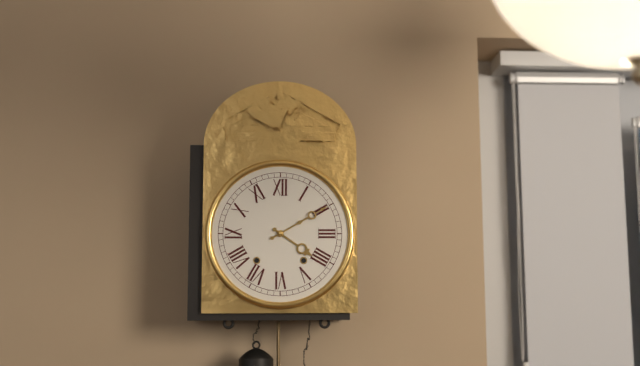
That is h=4 m=10
